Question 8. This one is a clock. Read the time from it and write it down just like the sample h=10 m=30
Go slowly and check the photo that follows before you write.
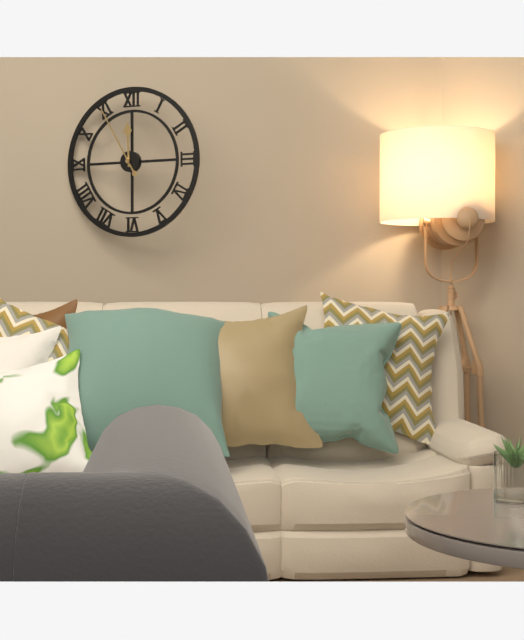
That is h=11 m=55
